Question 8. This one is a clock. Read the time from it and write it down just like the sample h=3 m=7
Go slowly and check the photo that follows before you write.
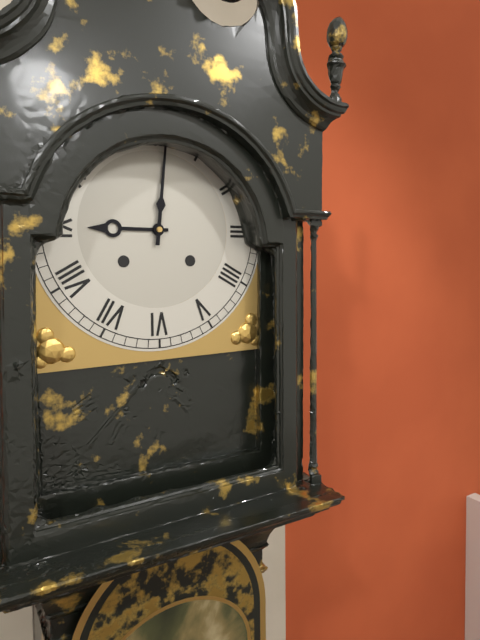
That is h=9 m=1
